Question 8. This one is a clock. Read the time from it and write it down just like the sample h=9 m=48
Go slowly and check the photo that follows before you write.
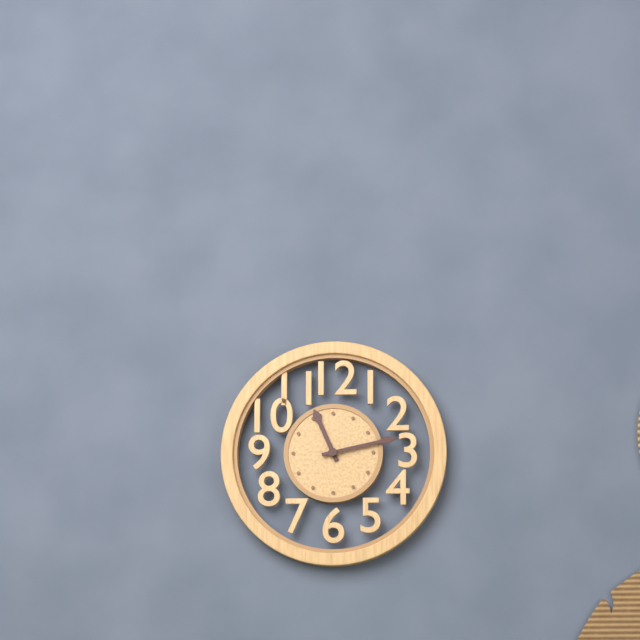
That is h=11 m=13
